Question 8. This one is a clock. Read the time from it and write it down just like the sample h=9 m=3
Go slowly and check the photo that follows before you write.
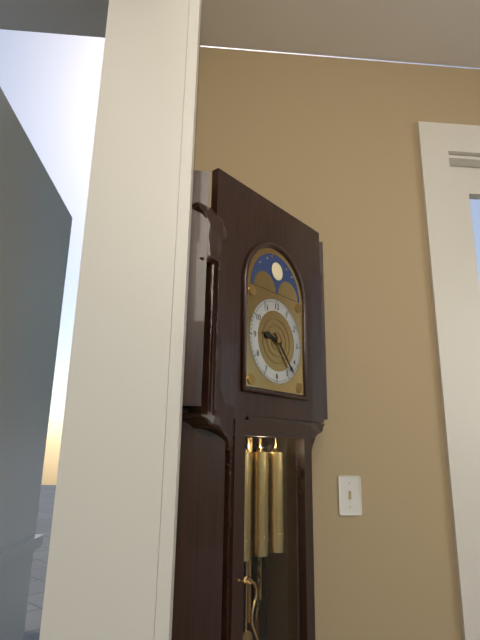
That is h=9 m=23
